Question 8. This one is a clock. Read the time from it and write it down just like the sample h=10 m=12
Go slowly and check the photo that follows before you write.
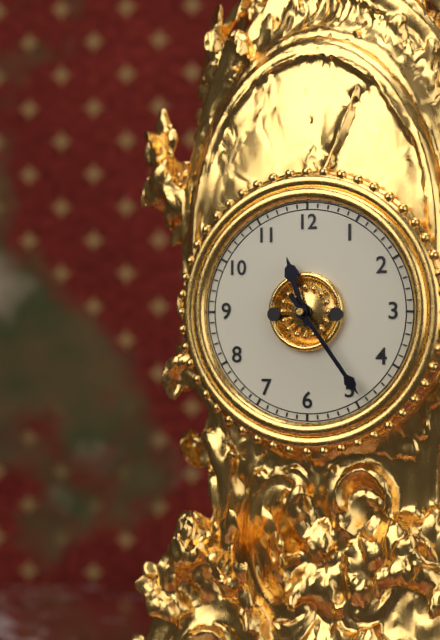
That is h=11 m=24
